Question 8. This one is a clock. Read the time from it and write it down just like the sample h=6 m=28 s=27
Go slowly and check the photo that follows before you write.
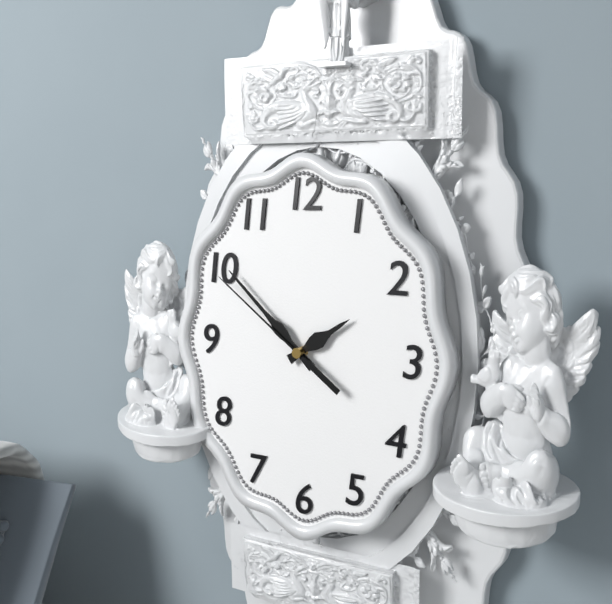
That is h=1 m=52 s=51
